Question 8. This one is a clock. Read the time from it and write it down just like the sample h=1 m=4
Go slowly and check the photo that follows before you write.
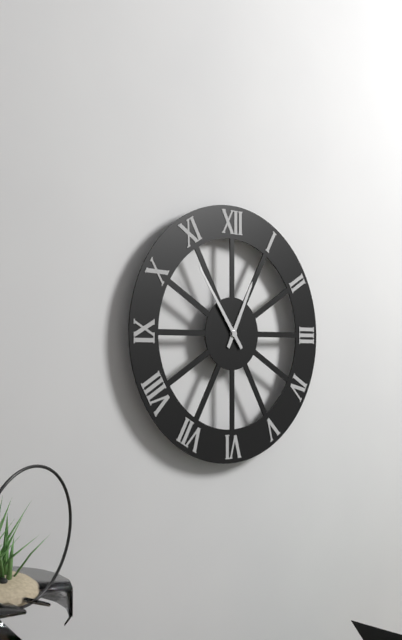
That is h=12 m=54
